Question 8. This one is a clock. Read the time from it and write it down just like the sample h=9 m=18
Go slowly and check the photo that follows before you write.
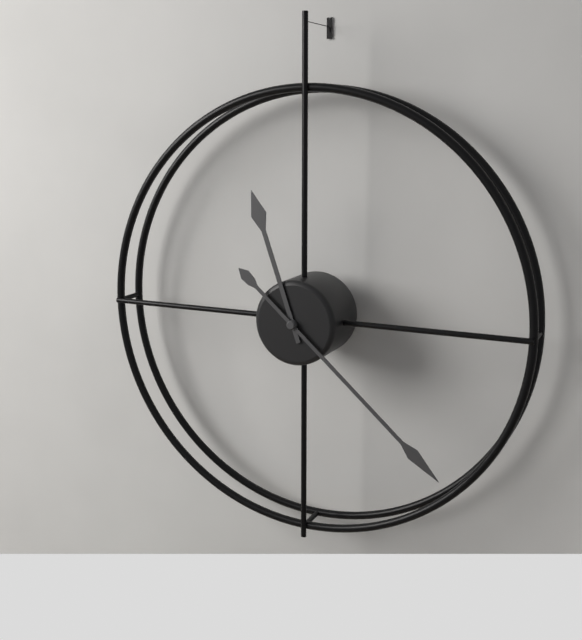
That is h=11 m=22
